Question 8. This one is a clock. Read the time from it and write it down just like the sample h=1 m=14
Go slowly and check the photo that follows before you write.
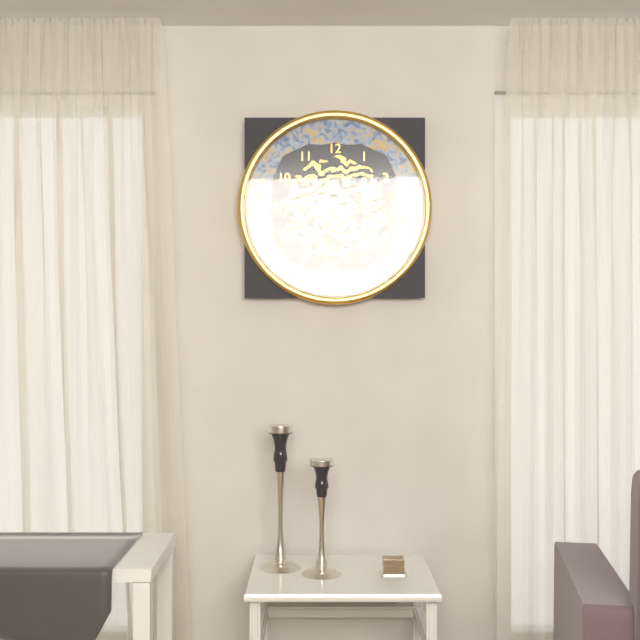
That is h=4 m=46
